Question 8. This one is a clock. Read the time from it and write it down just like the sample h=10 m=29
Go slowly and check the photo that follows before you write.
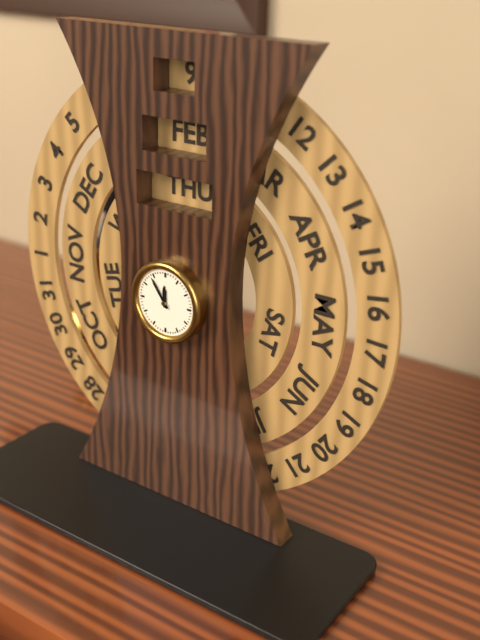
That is h=11 m=54
